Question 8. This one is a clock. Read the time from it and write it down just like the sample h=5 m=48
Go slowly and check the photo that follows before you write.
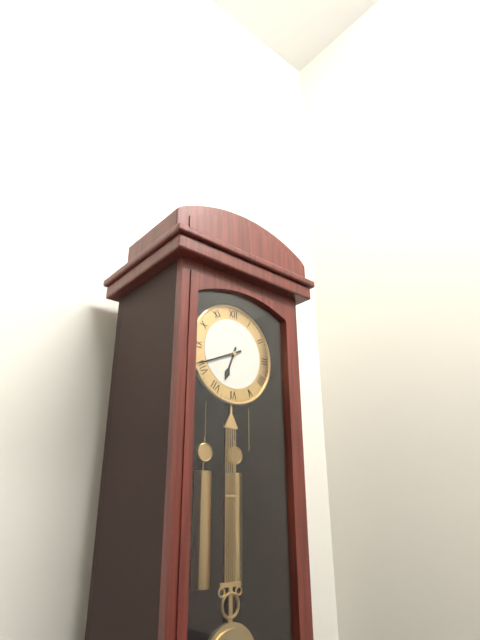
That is h=6 m=41
